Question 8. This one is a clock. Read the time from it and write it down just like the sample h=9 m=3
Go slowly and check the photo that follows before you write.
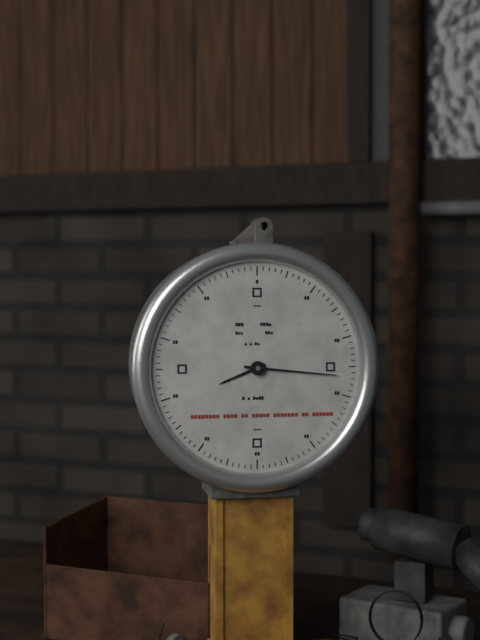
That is h=8 m=16
